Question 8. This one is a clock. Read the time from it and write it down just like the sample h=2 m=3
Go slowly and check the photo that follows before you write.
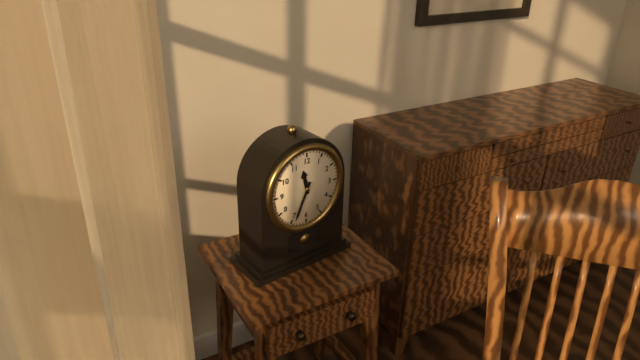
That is h=11 m=34
